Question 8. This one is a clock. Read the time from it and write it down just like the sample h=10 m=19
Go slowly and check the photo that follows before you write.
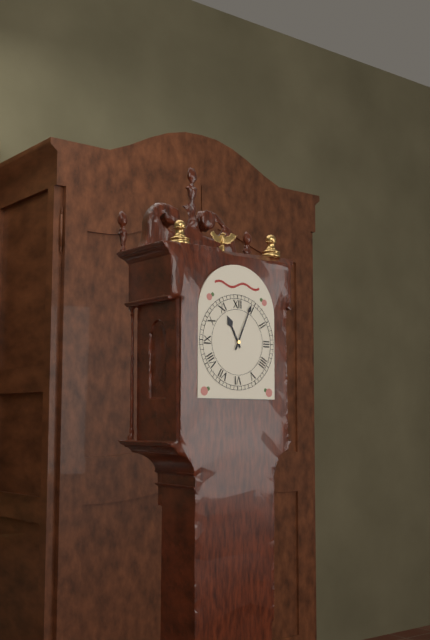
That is h=11 m=4
